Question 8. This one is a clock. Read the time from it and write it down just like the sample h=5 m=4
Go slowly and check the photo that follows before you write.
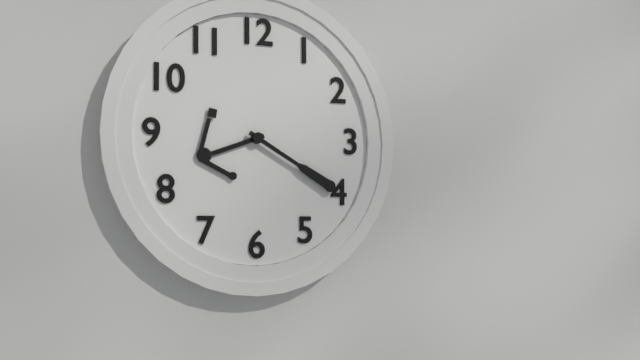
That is h=8 m=20
